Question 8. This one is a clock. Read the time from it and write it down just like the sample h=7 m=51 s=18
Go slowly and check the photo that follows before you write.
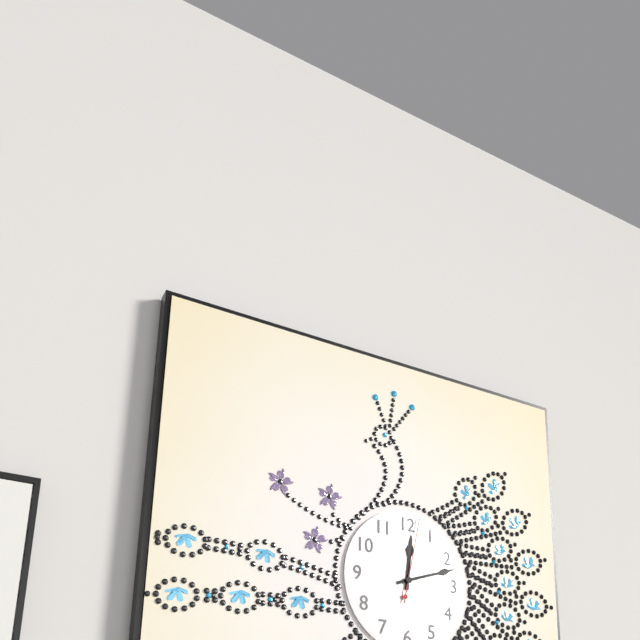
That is h=12 m=12 s=2
